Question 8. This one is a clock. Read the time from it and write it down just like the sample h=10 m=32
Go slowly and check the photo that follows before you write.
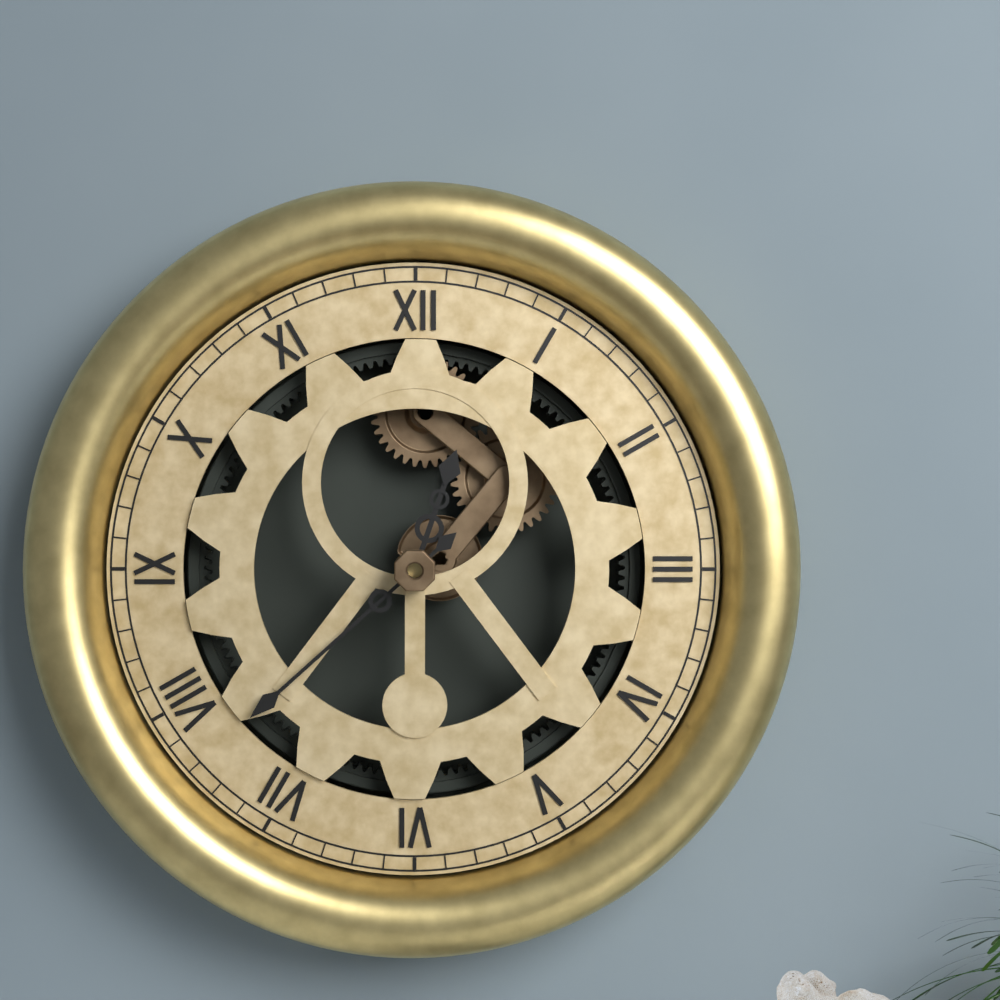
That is h=12 m=38
